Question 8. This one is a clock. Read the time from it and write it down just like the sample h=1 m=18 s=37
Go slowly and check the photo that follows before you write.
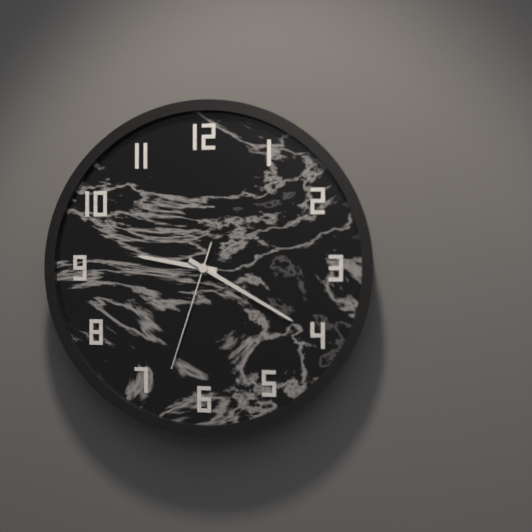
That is h=9 m=20 s=33
